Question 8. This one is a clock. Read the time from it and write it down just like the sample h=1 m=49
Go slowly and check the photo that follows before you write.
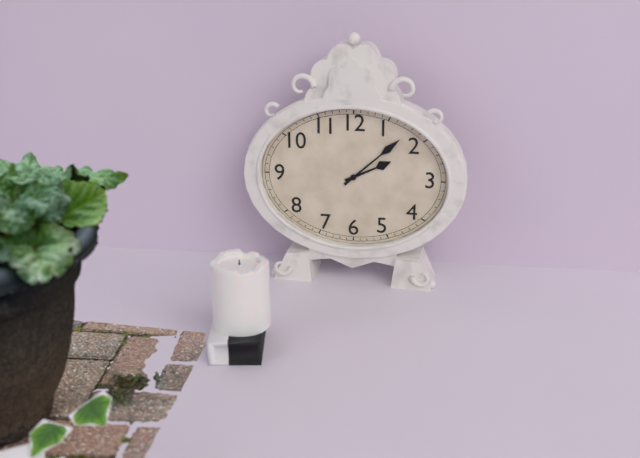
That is h=2 m=8
